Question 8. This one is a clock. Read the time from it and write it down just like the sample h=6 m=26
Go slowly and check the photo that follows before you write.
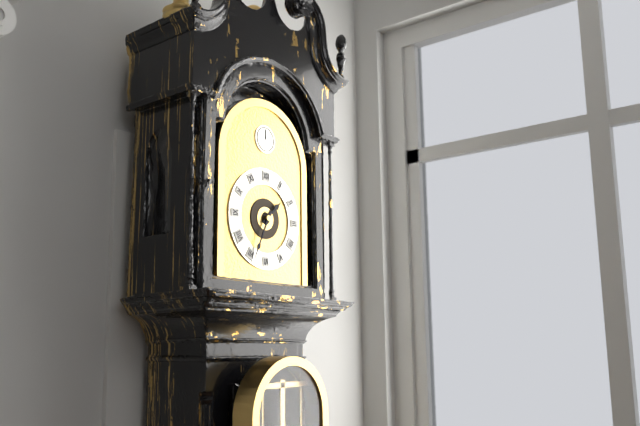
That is h=1 m=34
